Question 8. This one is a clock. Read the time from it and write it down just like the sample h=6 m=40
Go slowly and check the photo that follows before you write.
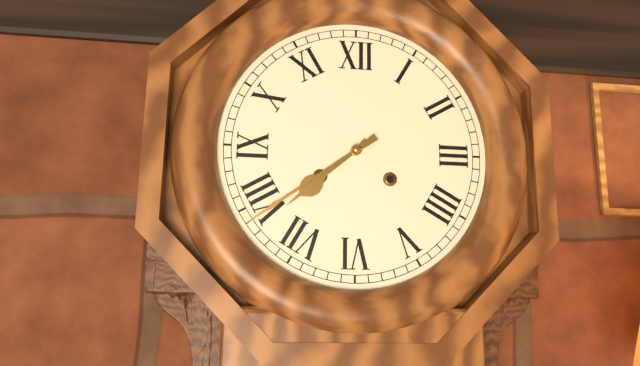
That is h=7 m=39
